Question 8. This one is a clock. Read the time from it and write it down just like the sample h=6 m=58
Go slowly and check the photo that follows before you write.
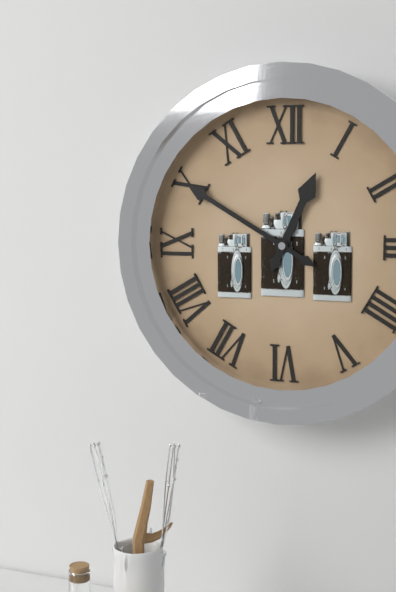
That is h=12 m=50
